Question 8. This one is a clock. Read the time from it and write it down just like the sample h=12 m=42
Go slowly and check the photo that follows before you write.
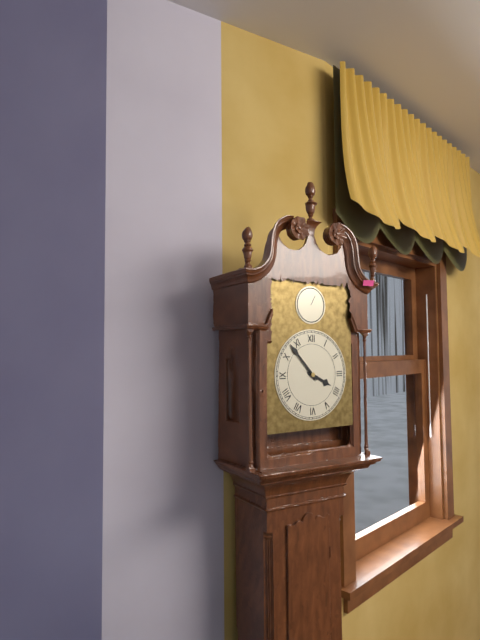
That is h=3 m=53
